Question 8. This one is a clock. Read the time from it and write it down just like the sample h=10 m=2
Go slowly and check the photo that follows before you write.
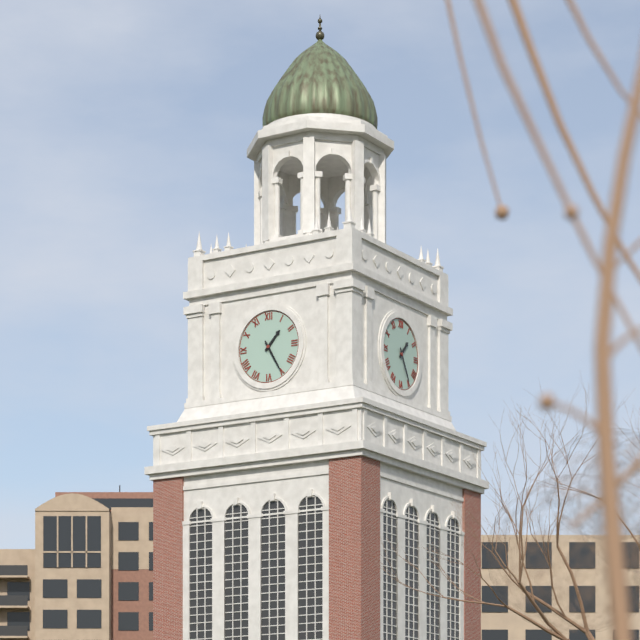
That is h=1 m=25
